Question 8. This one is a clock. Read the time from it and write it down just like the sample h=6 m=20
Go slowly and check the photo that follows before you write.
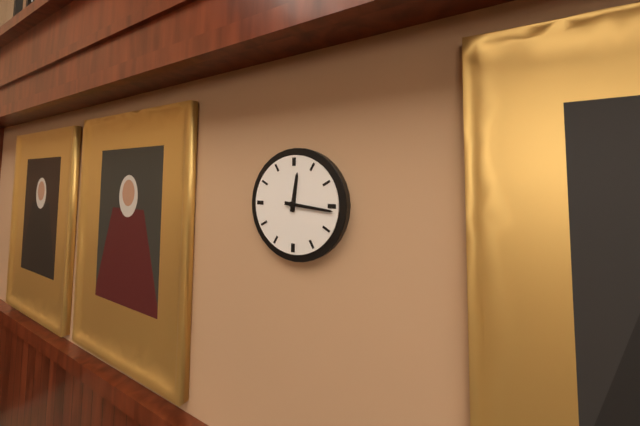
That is h=12 m=16
